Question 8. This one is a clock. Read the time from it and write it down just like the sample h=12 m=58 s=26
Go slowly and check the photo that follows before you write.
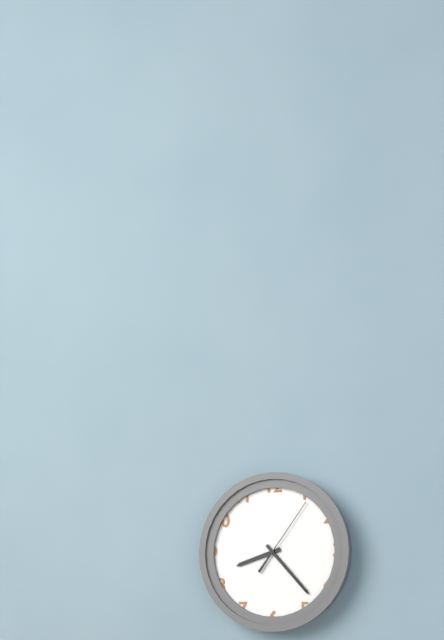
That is h=8 m=23 s=6
